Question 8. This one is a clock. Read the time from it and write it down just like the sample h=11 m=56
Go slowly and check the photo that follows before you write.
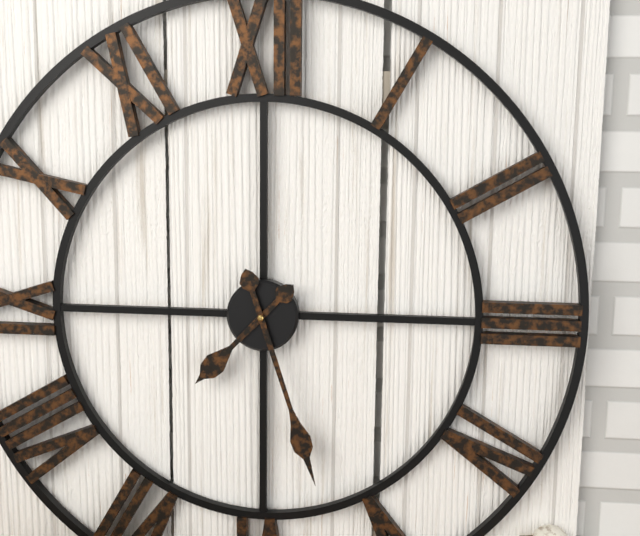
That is h=7 m=27
